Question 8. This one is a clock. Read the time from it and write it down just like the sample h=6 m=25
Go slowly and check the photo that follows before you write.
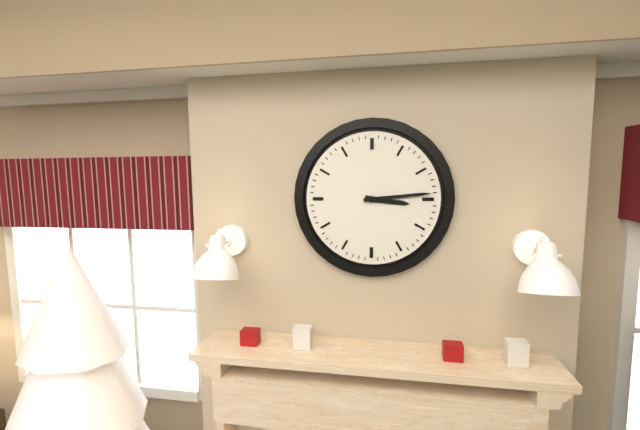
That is h=3 m=14
